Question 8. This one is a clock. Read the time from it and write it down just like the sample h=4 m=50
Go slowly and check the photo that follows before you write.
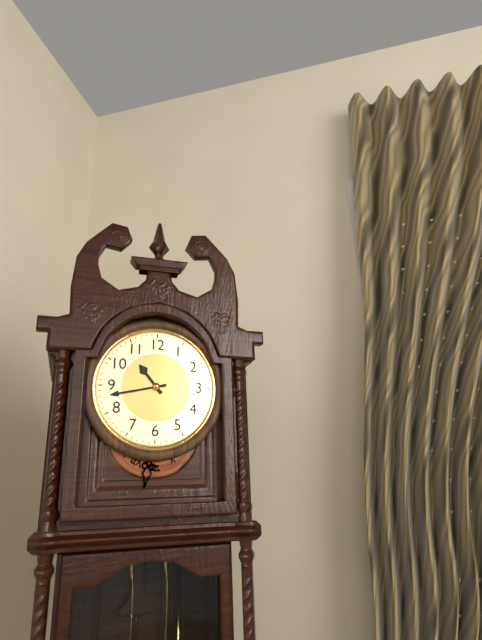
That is h=10 m=43
